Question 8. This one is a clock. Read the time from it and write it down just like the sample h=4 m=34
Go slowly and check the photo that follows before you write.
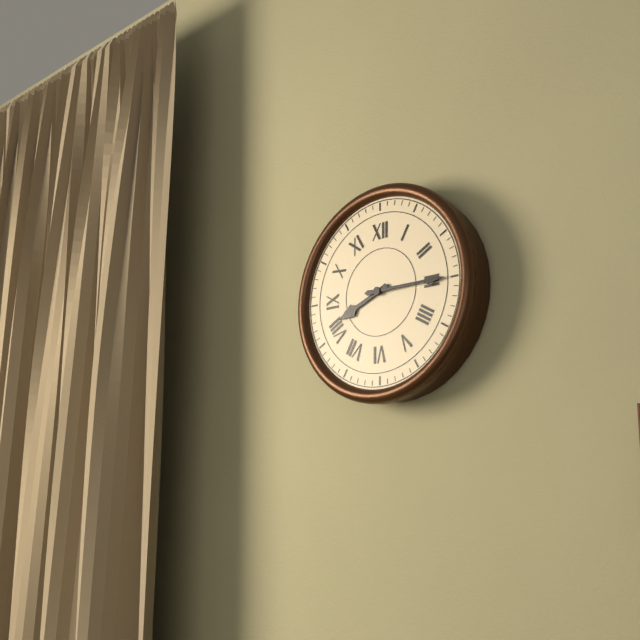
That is h=8 m=15
